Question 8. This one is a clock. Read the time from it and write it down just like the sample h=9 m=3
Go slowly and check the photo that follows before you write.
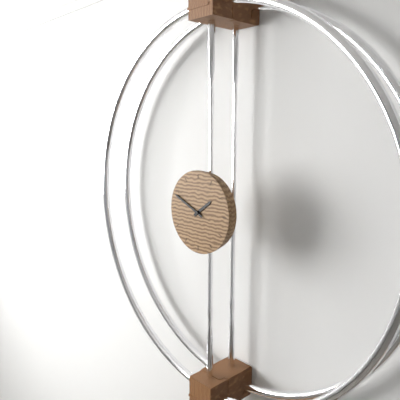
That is h=1 m=49
